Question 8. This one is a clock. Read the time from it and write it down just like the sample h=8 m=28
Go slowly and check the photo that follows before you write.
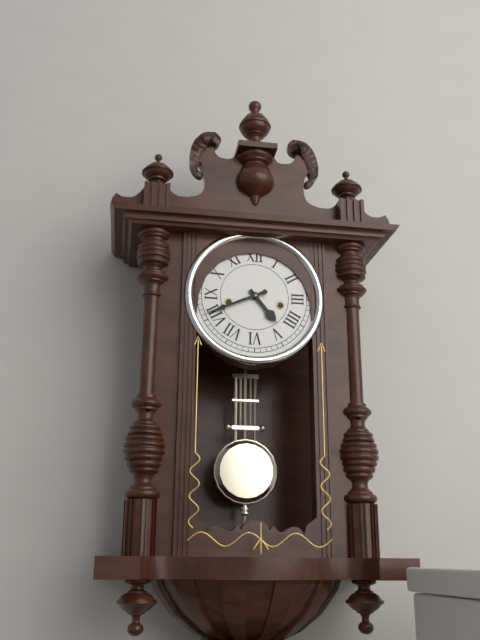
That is h=4 m=41
